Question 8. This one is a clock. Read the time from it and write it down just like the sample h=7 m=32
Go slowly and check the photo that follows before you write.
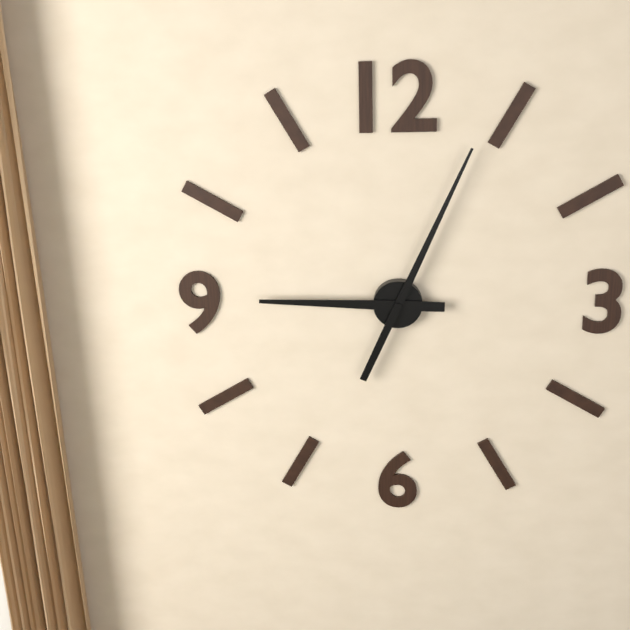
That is h=9 m=4
